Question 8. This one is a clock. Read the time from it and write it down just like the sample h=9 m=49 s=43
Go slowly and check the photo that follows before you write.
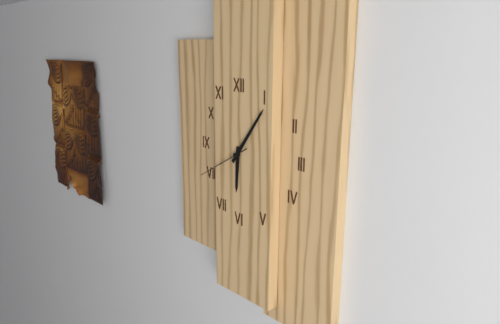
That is h=6 m=6 s=40
